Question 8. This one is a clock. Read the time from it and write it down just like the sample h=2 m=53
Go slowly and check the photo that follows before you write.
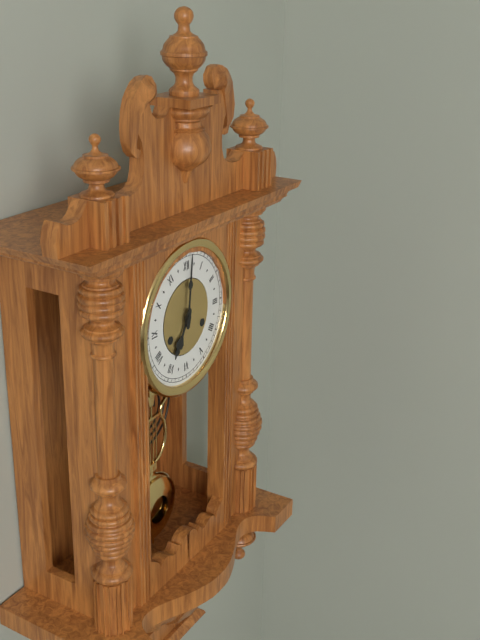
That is h=7 m=1
